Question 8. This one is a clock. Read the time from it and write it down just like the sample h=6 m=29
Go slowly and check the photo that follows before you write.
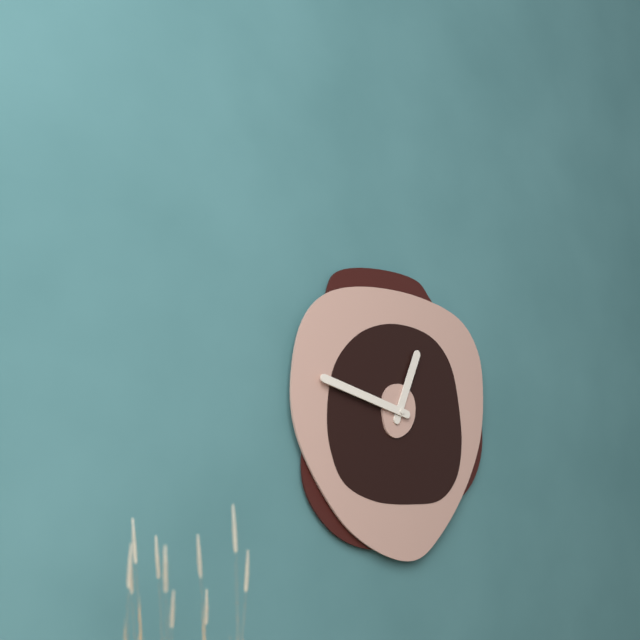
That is h=12 m=47
